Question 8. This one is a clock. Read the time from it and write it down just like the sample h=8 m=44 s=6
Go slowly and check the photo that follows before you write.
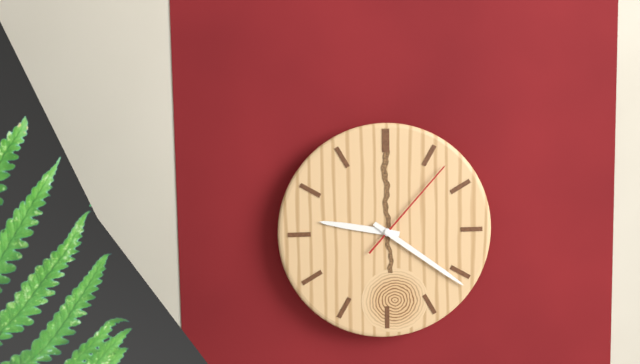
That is h=9 m=21 s=7
